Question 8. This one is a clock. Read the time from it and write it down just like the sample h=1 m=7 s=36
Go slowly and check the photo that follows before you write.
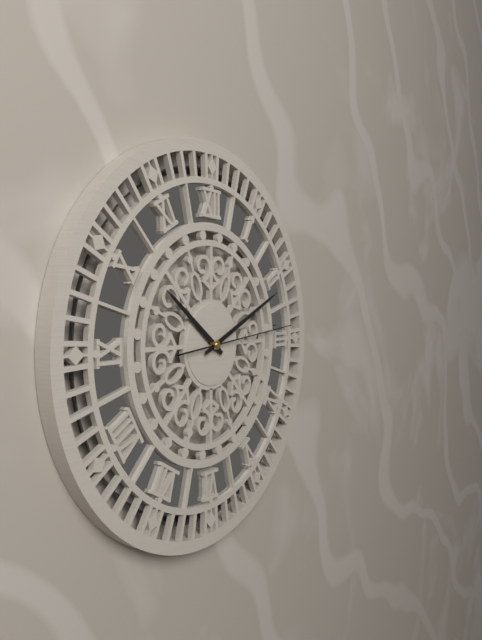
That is h=10 m=11 s=14
